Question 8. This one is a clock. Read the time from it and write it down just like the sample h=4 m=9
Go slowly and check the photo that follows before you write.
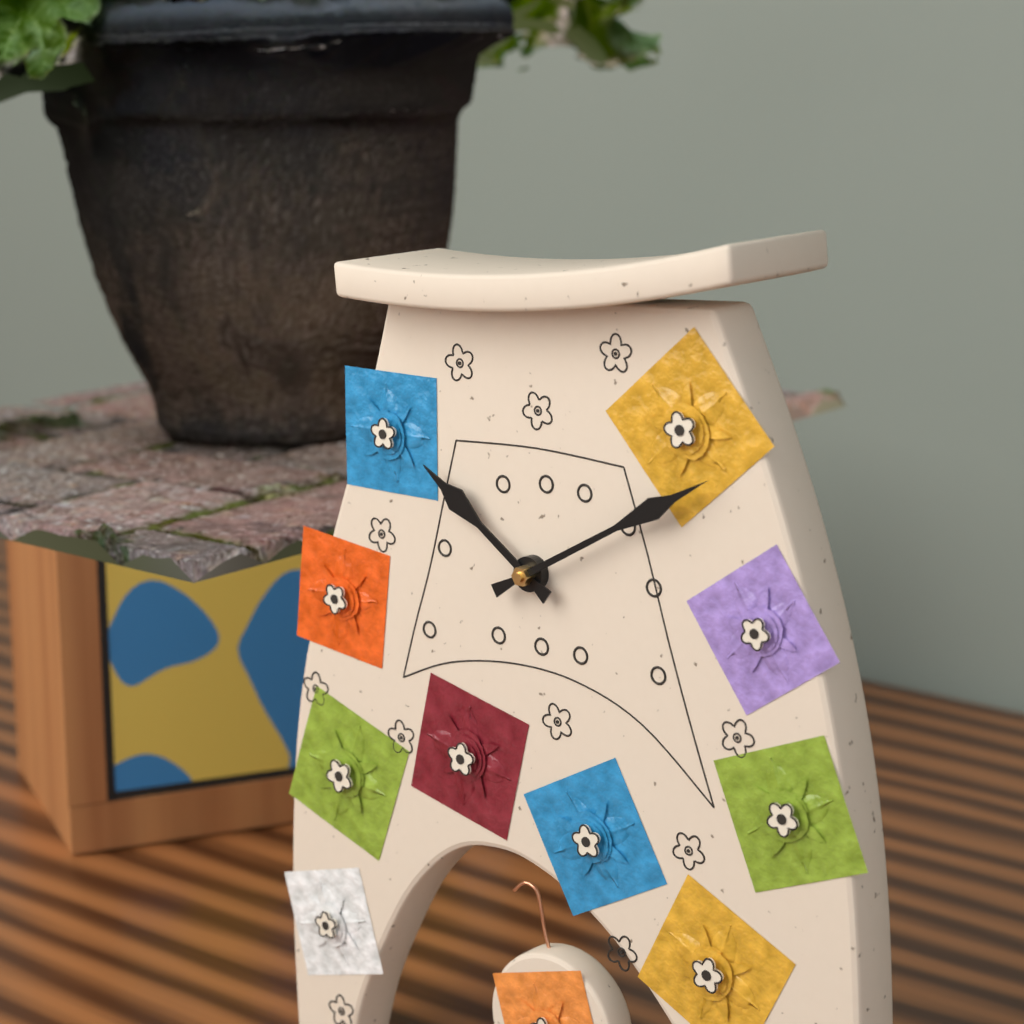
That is h=10 m=10
